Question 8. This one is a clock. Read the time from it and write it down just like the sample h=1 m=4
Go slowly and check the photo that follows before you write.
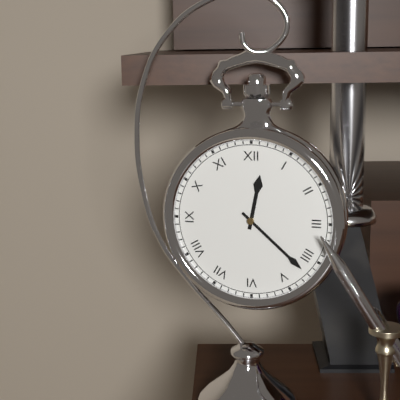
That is h=12 m=22
